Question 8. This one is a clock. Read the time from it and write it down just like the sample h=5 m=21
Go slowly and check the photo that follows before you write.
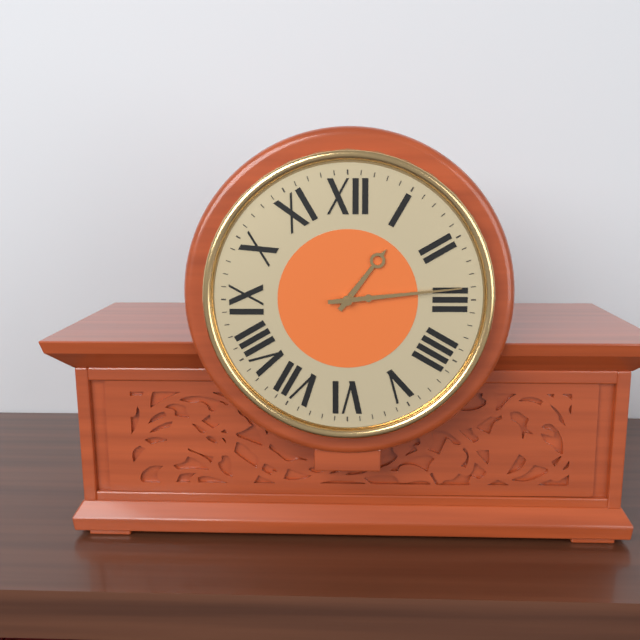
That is h=1 m=14
